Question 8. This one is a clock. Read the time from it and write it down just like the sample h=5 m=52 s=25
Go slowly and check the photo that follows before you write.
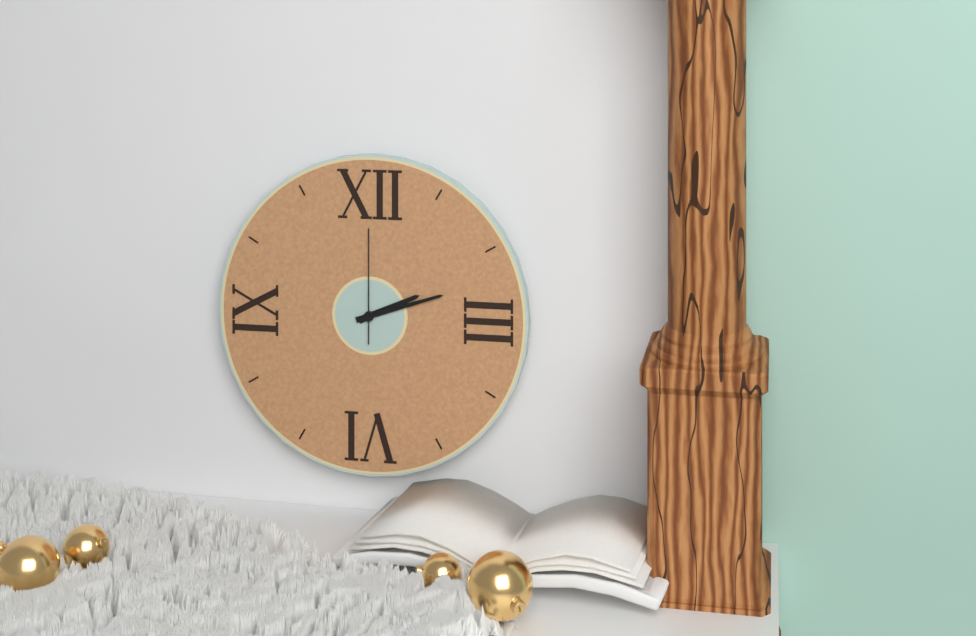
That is h=2 m=12 s=0
